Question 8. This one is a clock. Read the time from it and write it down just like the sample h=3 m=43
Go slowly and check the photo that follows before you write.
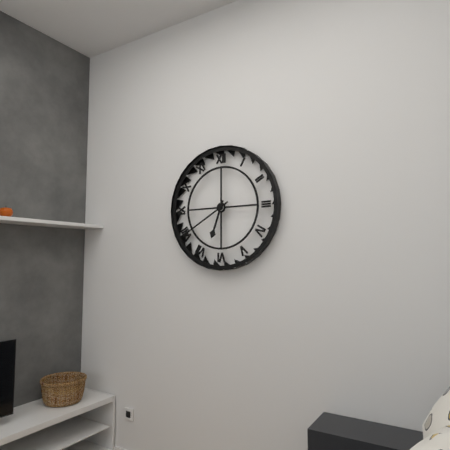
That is h=6 m=40
